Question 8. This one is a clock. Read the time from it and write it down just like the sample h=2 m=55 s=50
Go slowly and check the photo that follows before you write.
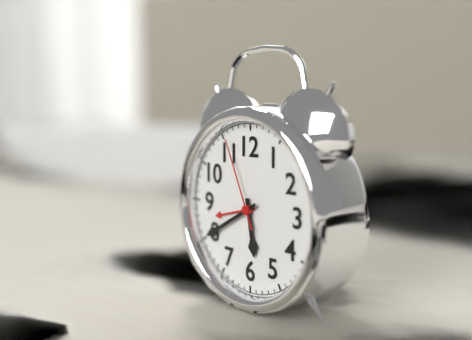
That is h=5 m=40 s=56
